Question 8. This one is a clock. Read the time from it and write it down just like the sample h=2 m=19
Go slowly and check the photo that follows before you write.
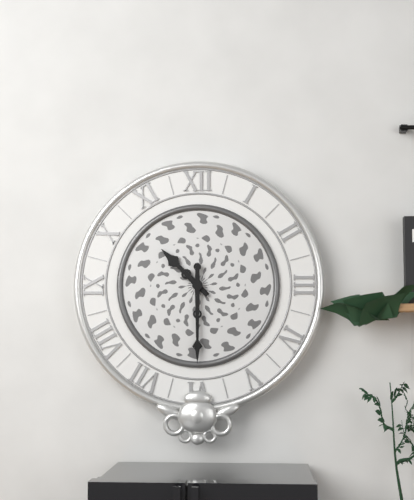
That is h=10 m=30
